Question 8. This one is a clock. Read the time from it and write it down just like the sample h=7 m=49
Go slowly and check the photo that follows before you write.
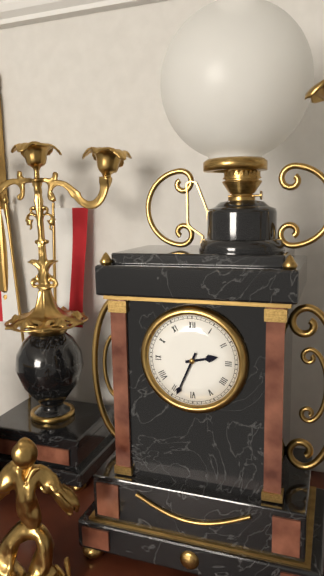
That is h=2 m=34
